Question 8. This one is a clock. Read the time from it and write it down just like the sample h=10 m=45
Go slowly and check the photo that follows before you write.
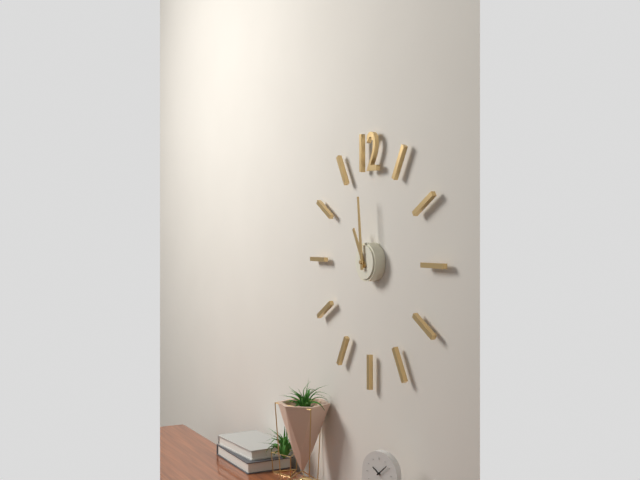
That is h=10 m=59
